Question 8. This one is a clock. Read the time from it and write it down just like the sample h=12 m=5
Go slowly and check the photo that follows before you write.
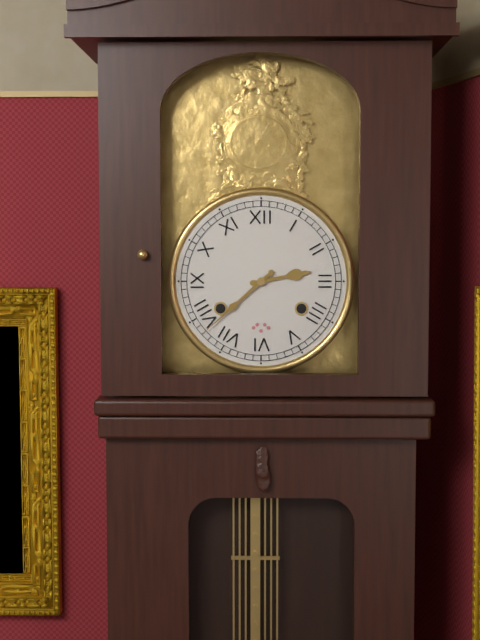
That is h=2 m=38
